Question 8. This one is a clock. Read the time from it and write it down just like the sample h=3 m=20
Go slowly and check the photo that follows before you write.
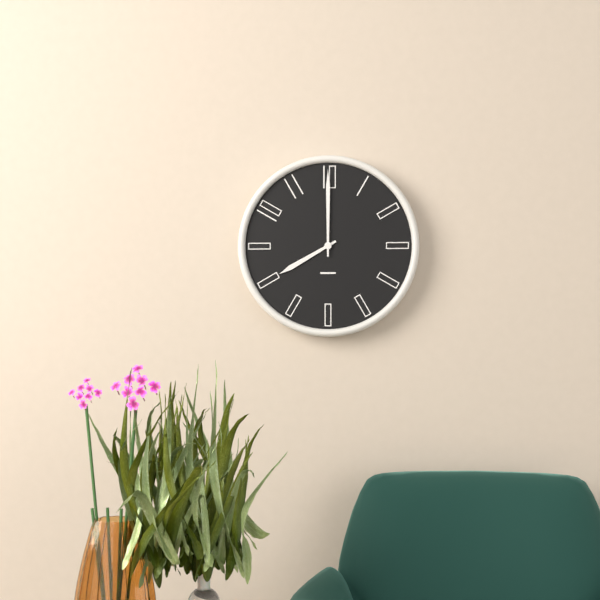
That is h=8 m=0
